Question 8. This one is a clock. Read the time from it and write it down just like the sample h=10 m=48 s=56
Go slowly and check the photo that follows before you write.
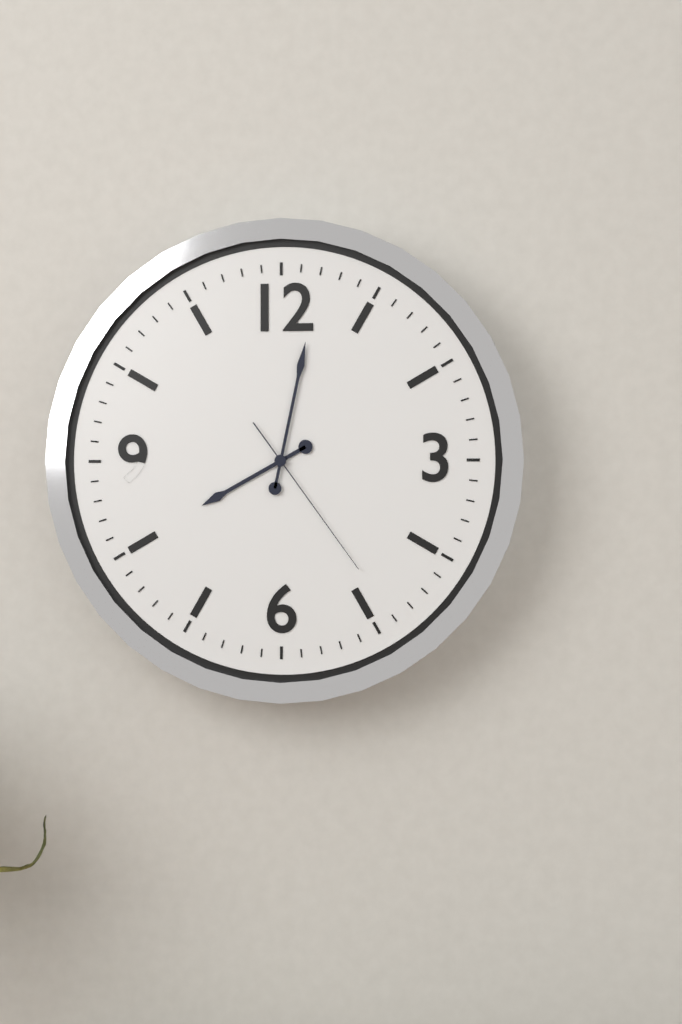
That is h=8 m=2 s=24
